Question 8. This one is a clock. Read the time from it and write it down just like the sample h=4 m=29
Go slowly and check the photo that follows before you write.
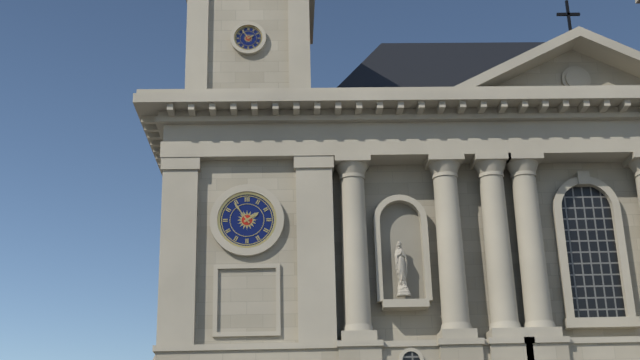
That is h=1 m=54
